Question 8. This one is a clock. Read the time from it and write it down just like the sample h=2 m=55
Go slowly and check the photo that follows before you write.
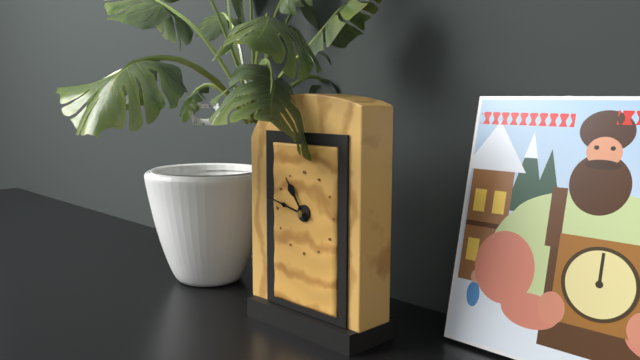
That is h=10 m=47
